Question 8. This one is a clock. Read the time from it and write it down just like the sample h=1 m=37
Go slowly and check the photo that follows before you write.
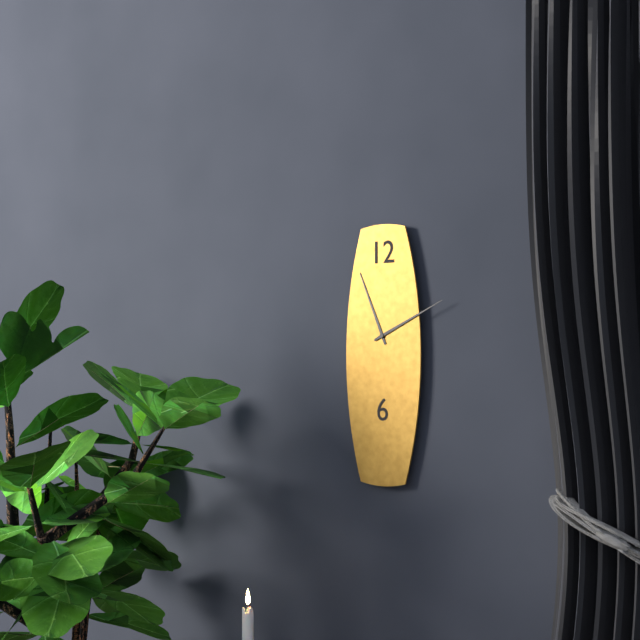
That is h=11 m=11
